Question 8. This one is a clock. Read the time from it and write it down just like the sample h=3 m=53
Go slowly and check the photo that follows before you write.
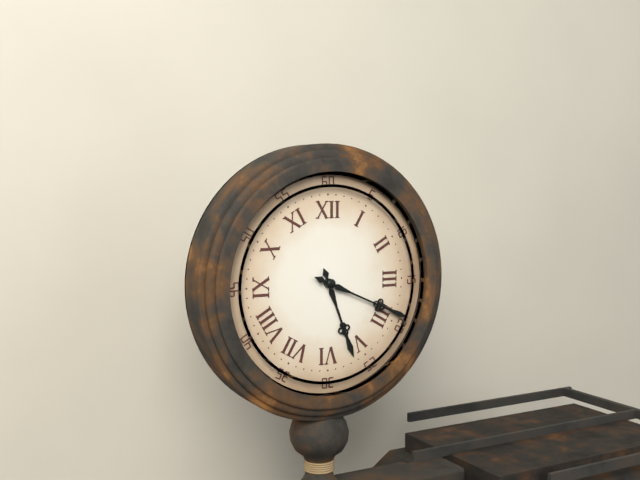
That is h=5 m=19
